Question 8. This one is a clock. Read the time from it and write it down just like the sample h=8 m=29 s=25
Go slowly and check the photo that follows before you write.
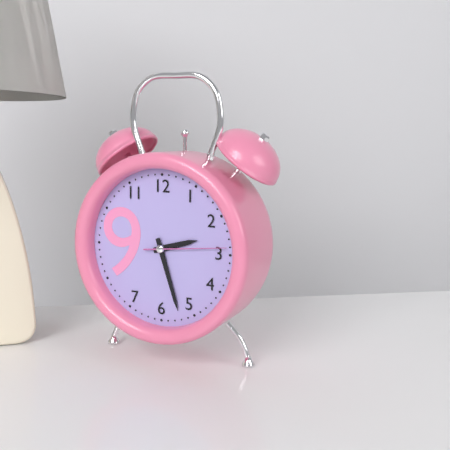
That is h=2 m=27 s=14
